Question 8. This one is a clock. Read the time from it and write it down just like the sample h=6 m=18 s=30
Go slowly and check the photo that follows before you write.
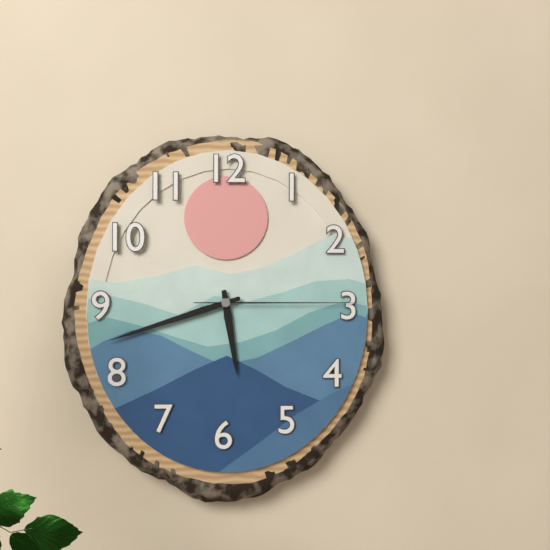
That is h=5 m=42 s=15
